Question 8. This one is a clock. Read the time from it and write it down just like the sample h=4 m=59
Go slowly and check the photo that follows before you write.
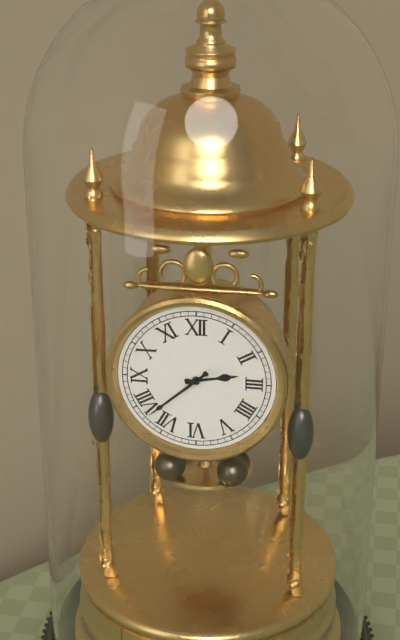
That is h=2 m=38
